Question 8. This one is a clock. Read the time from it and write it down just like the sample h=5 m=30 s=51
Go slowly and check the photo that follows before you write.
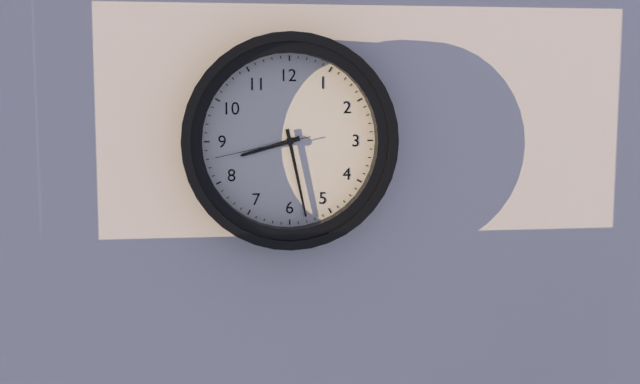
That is h=8 m=28 s=43
